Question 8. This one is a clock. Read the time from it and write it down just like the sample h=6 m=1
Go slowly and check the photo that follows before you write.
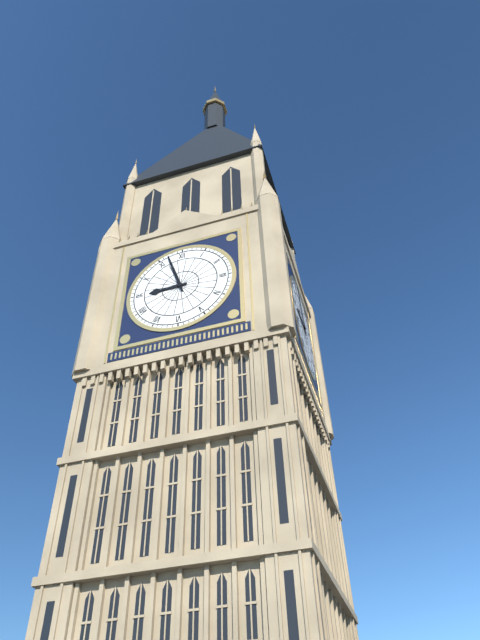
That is h=8 m=57
